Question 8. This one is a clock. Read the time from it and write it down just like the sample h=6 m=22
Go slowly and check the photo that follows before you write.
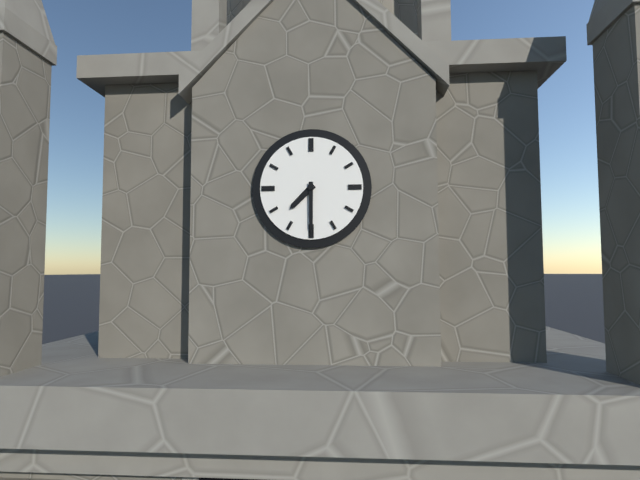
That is h=7 m=30
